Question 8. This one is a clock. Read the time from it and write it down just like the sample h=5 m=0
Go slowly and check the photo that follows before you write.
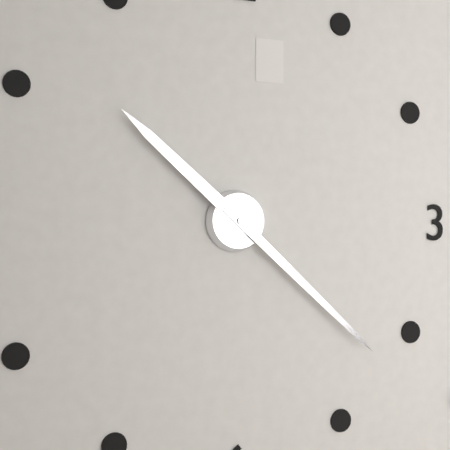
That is h=10 m=22
